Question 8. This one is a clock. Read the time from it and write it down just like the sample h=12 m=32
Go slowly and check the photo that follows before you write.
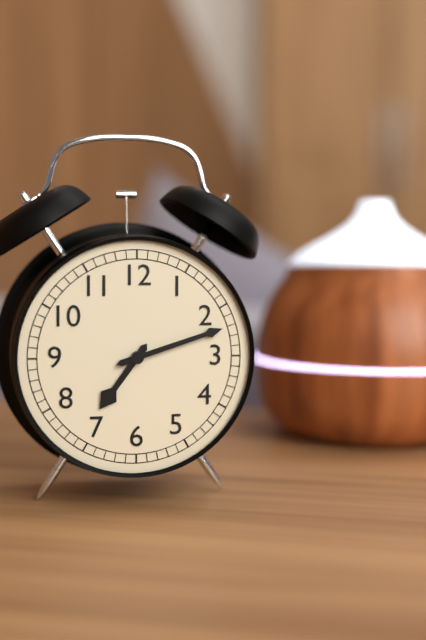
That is h=7 m=12
